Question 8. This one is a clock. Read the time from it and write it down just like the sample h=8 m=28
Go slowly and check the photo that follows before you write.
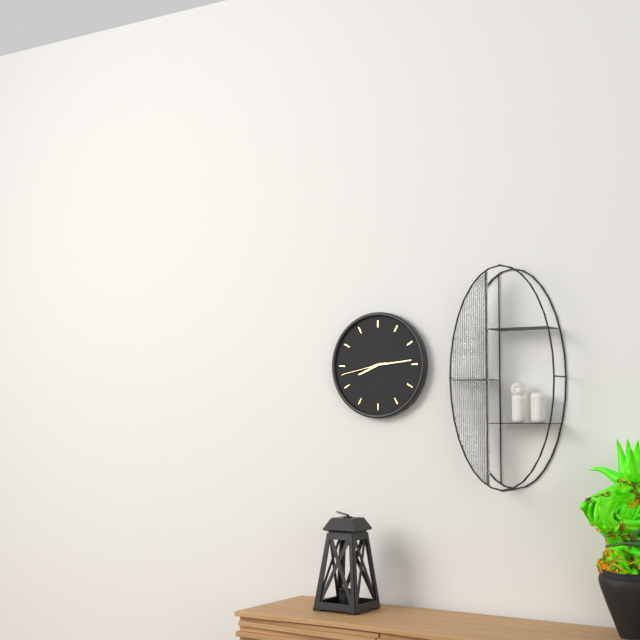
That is h=8 m=14
